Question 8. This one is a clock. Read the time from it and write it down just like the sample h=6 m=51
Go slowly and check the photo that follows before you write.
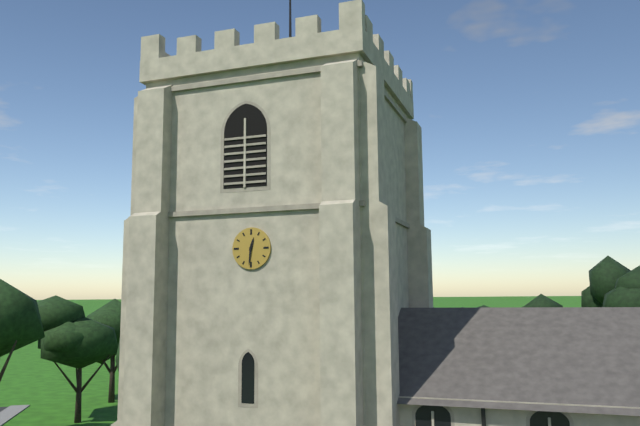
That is h=12 m=31
